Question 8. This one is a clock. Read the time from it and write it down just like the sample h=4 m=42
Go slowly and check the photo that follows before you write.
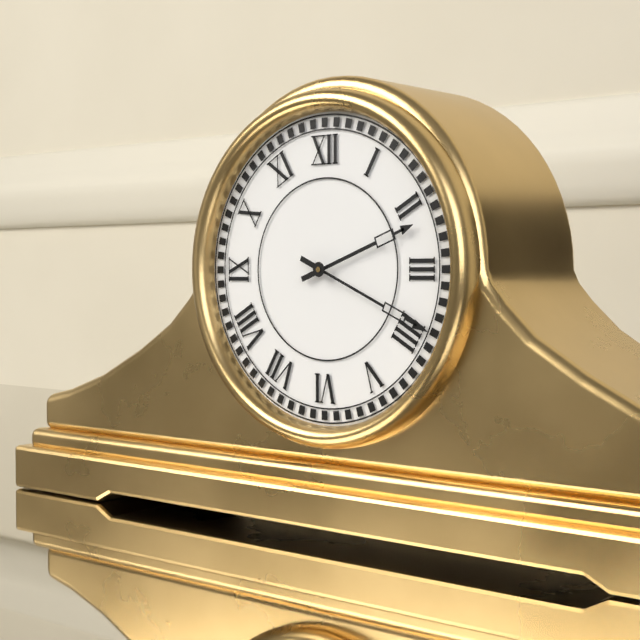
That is h=2 m=19
